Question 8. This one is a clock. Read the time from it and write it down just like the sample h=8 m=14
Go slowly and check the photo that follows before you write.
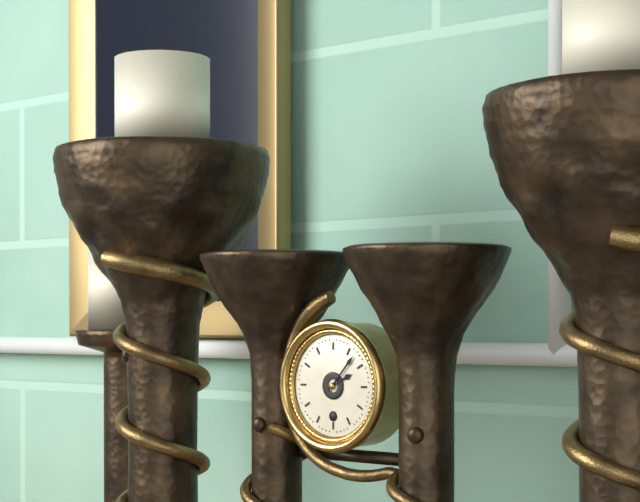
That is h=2 m=7
